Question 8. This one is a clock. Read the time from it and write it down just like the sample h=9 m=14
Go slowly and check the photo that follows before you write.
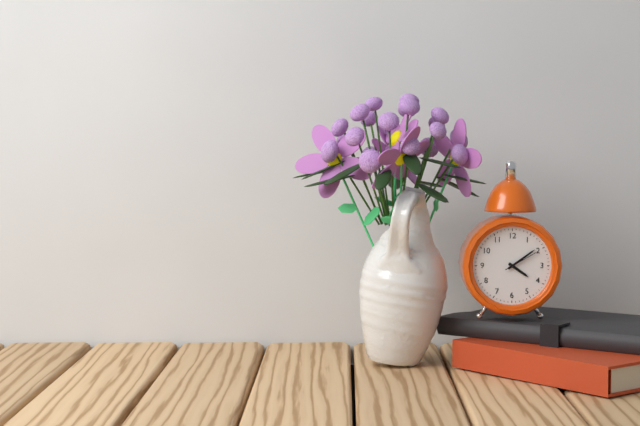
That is h=4 m=9
